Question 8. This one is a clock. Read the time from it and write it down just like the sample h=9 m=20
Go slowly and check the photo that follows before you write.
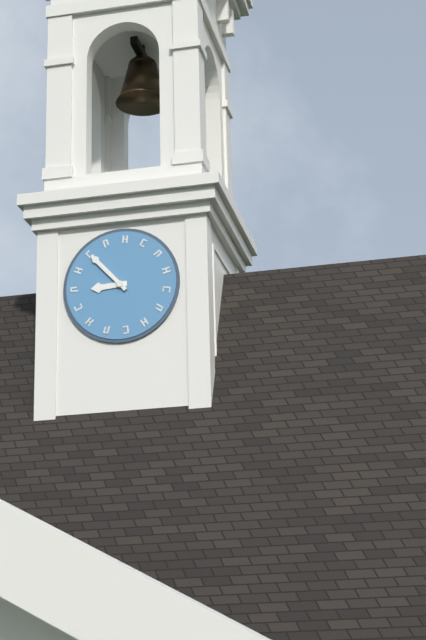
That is h=8 m=53
